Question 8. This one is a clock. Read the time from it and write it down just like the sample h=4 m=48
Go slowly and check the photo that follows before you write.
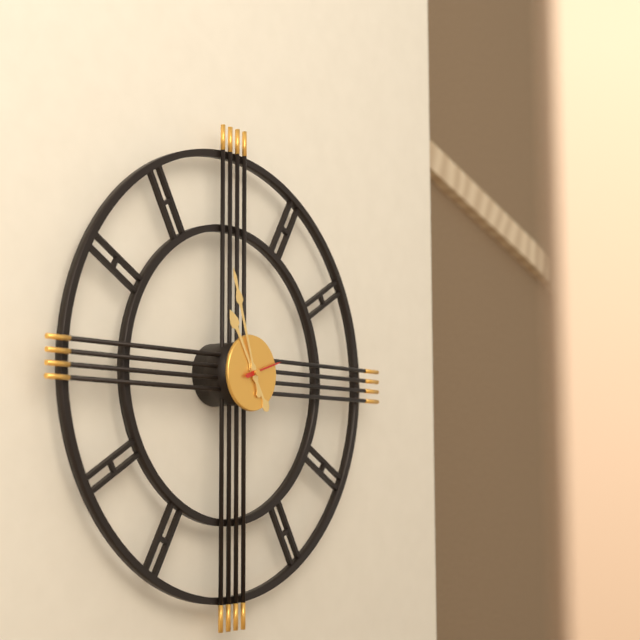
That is h=10 m=57
